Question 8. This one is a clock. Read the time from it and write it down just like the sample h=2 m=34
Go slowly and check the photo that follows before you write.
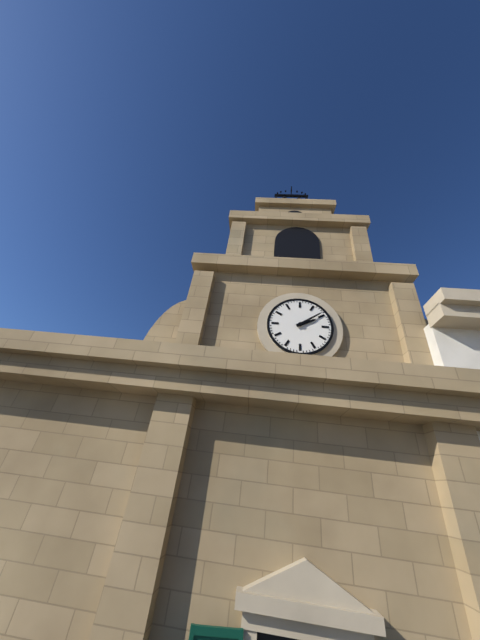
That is h=2 m=9
